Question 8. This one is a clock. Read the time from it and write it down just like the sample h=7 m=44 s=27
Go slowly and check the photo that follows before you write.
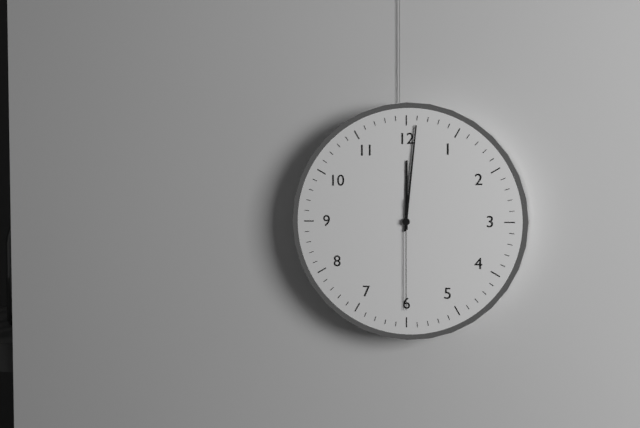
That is h=12 m=1 s=30
